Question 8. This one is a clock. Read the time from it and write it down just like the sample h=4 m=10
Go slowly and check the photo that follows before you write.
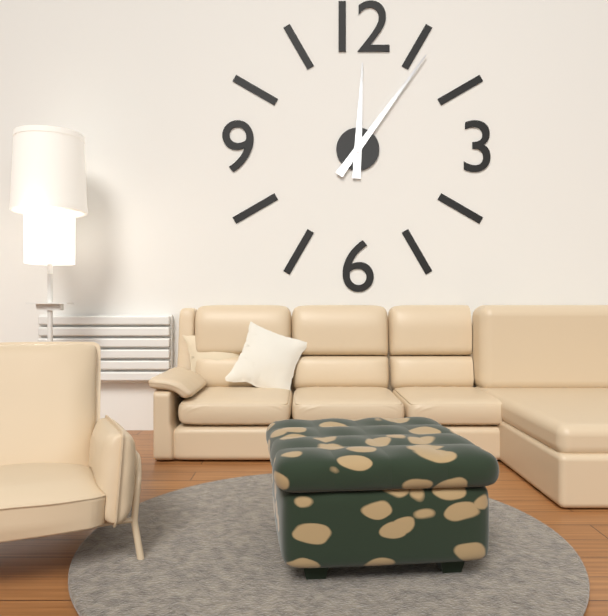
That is h=12 m=6
